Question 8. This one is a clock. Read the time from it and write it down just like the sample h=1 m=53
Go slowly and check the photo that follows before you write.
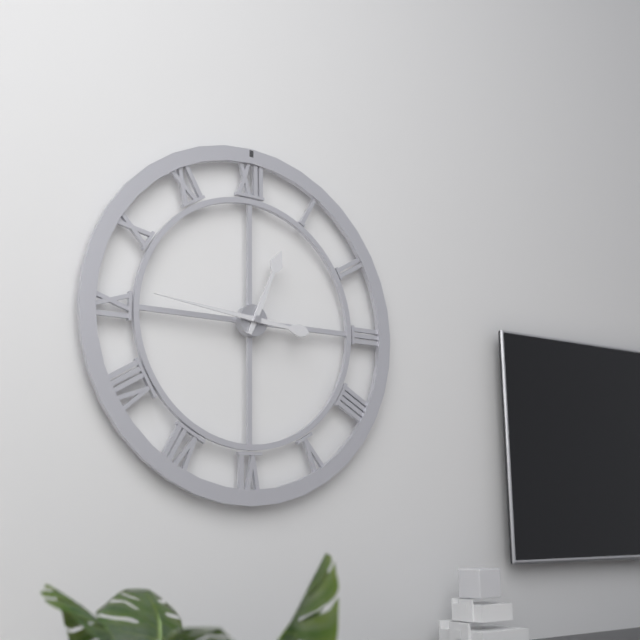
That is h=12 m=46
